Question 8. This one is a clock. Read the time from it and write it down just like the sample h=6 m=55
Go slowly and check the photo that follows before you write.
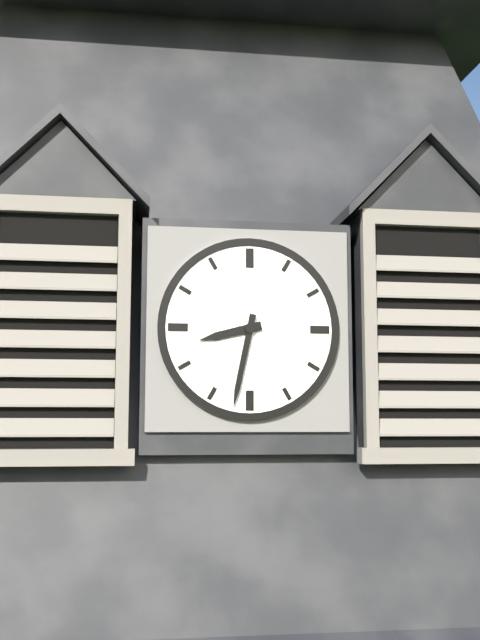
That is h=8 m=32
